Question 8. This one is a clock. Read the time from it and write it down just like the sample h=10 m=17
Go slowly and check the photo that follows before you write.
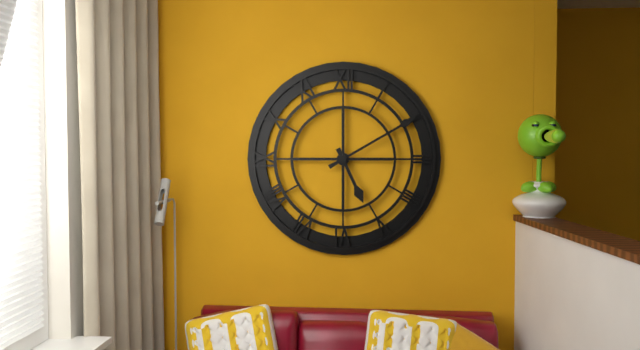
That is h=5 m=10
